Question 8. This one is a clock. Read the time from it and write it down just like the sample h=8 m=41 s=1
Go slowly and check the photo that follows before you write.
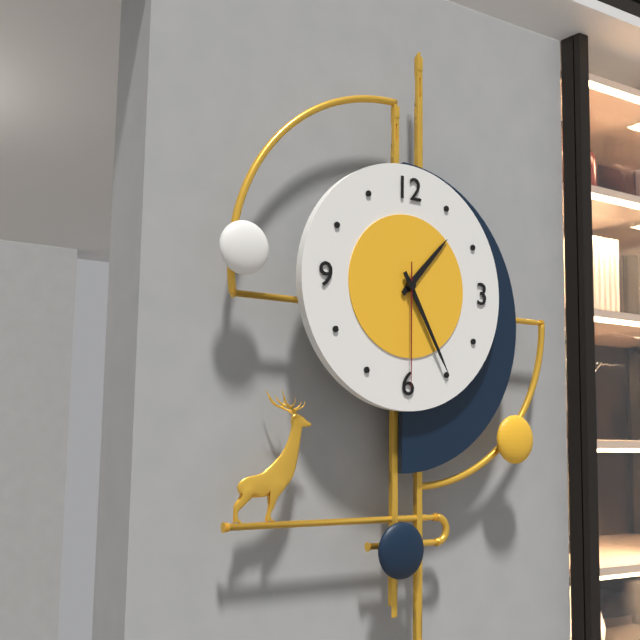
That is h=1 m=25 s=30
